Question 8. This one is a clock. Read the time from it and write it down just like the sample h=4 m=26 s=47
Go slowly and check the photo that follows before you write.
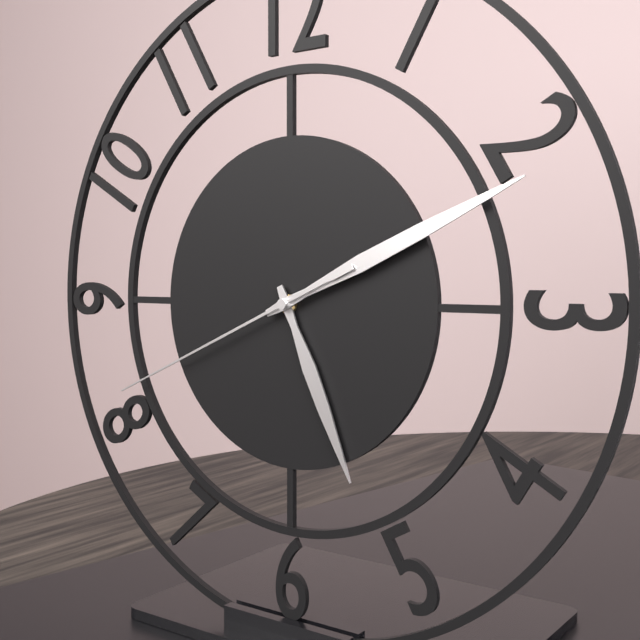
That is h=5 m=11 s=41
